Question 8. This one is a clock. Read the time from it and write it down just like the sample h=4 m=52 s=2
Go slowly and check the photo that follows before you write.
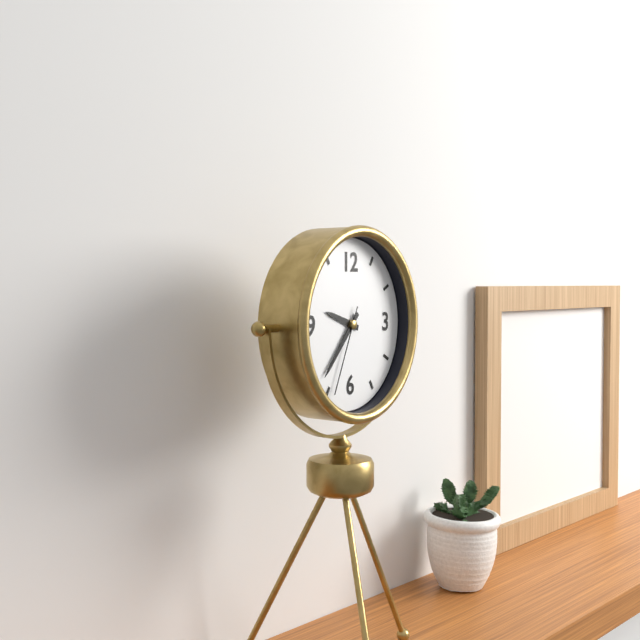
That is h=9 m=37 s=34
